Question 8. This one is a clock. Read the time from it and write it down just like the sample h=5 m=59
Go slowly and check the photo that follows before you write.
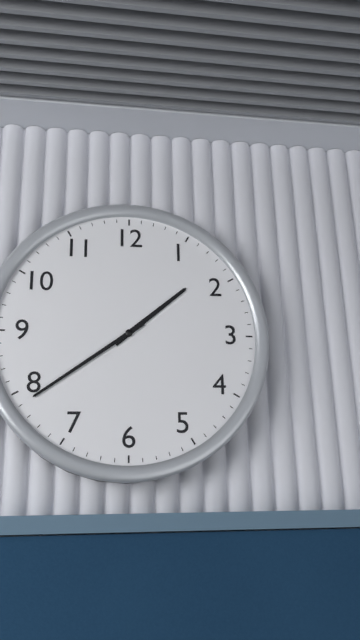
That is h=1 m=39
